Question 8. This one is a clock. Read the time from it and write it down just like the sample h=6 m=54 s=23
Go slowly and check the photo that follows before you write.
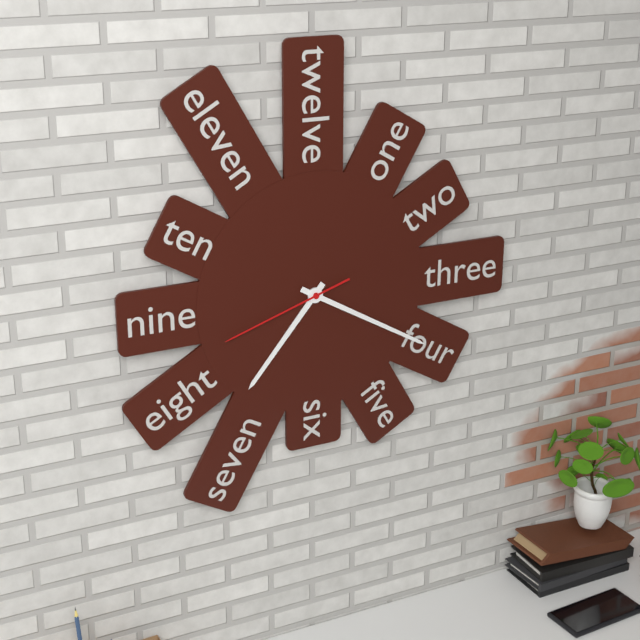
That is h=7 m=20 s=42
